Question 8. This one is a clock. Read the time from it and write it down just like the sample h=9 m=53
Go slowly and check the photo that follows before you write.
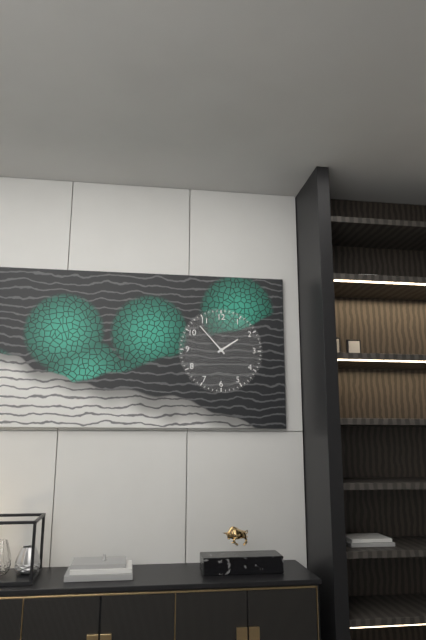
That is h=1 m=53
